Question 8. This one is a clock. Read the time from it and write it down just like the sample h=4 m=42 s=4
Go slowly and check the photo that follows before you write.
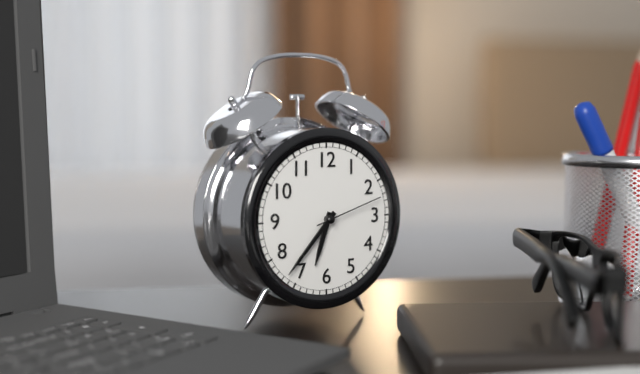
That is h=6 m=37 s=12
